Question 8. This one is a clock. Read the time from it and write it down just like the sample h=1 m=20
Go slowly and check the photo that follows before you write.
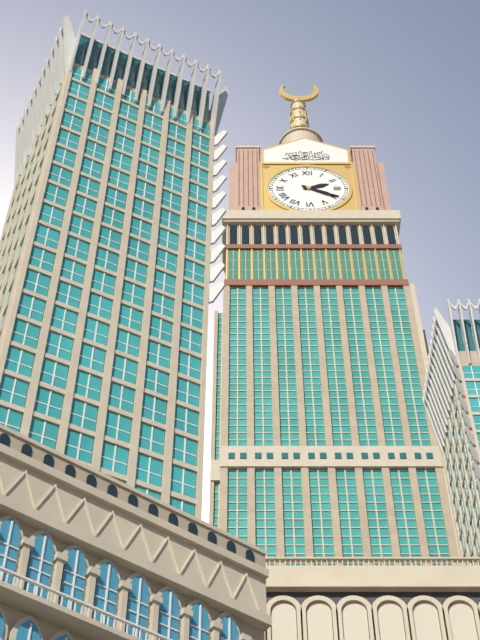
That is h=2 m=20
